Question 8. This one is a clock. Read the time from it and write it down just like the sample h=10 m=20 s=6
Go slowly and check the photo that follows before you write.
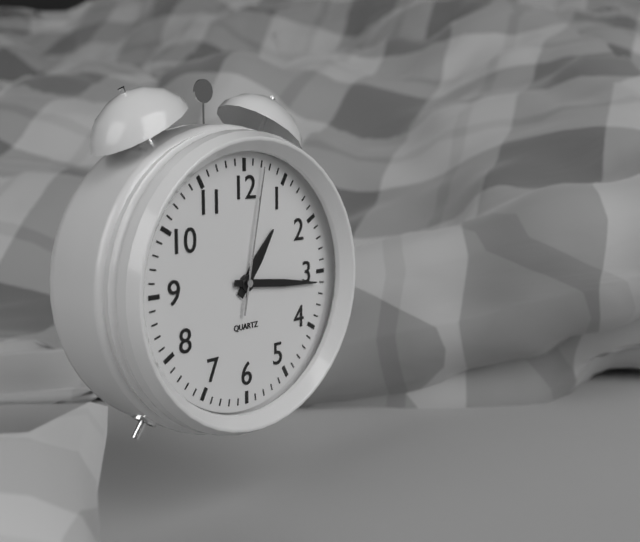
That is h=1 m=16 s=2
